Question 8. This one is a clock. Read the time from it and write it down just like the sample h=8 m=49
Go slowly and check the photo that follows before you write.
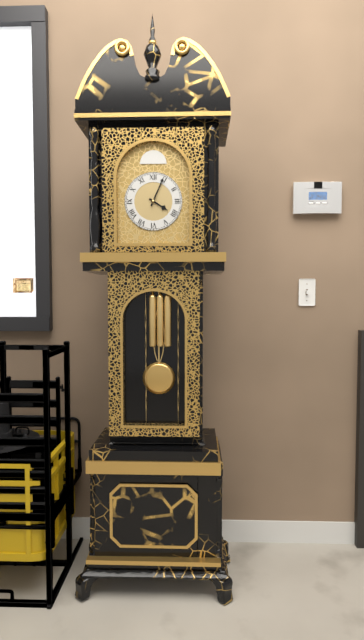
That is h=4 m=4
